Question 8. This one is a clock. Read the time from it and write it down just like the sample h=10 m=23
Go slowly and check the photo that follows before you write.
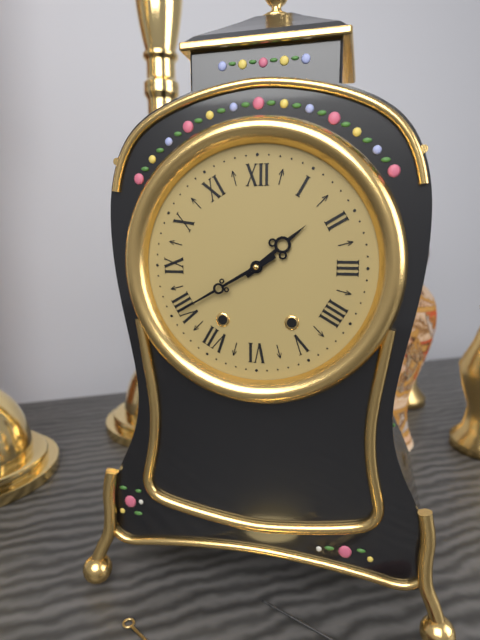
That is h=1 m=40
